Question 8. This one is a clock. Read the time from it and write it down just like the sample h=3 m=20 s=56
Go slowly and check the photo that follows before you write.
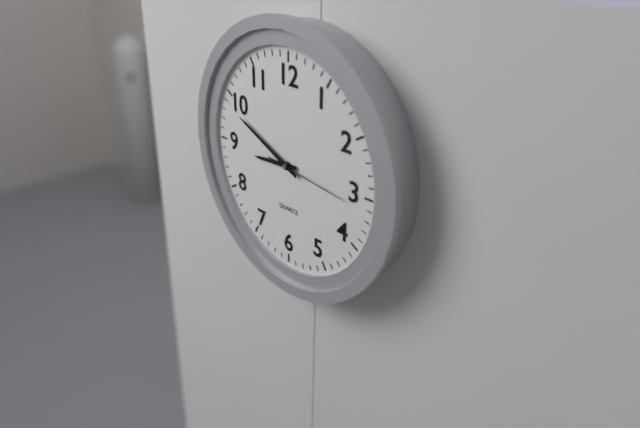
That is h=8 m=49 s=16
